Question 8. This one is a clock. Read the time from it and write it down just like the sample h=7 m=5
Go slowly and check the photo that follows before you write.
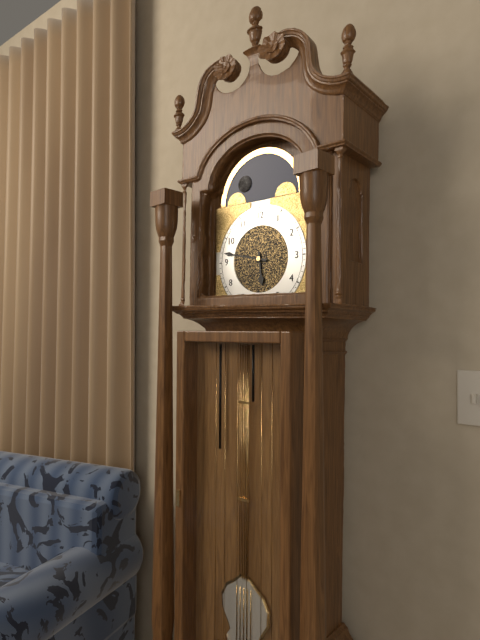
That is h=5 m=47
